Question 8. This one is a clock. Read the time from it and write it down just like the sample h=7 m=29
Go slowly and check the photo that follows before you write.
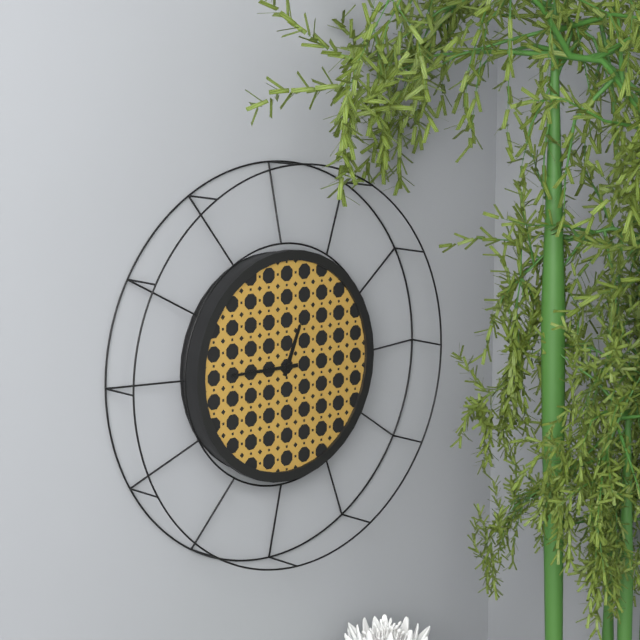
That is h=12 m=45
